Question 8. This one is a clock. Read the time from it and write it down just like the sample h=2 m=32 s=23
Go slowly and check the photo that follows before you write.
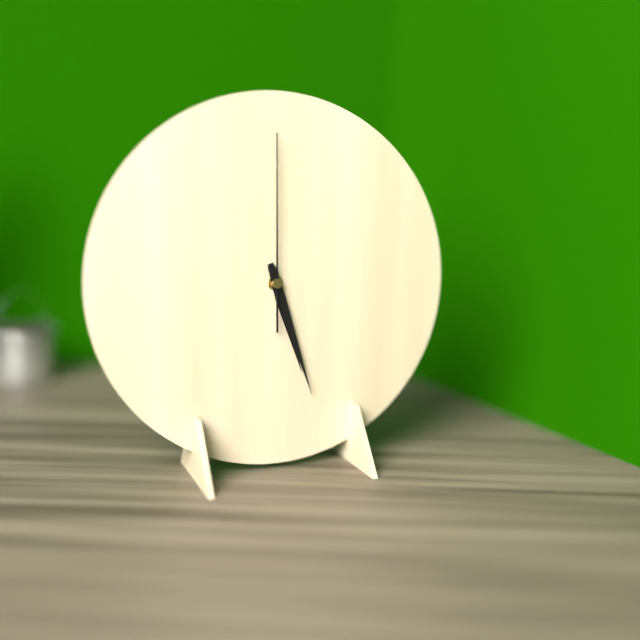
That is h=5 m=27 s=0
